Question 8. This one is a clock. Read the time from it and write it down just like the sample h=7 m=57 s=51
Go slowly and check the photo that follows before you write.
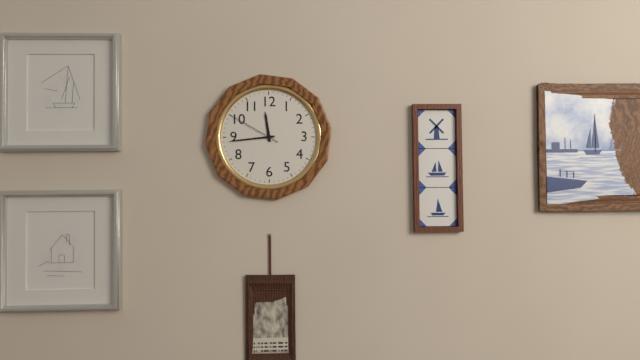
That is h=11 m=44 s=50
